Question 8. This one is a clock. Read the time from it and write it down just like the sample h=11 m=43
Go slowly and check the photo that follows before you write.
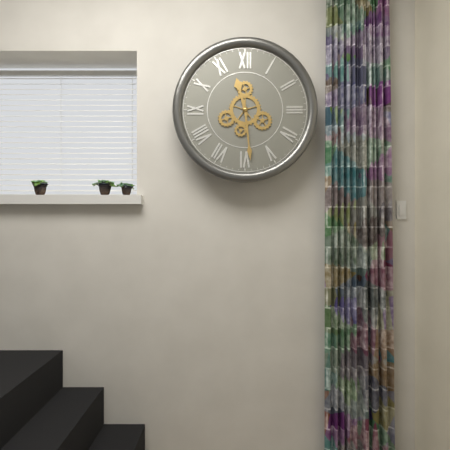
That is h=11 m=29
